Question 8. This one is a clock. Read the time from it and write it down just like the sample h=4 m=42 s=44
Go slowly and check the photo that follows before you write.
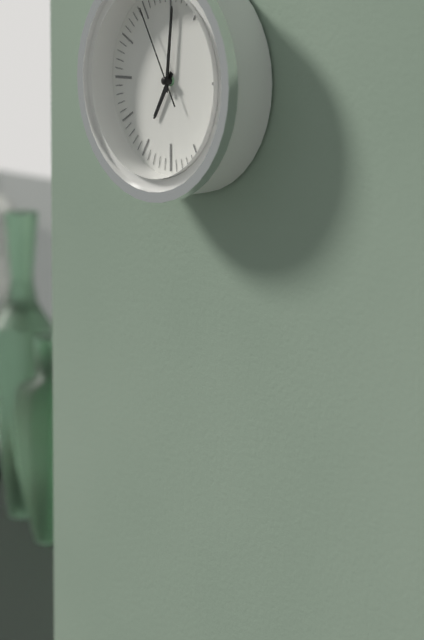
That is h=7 m=1 s=55
